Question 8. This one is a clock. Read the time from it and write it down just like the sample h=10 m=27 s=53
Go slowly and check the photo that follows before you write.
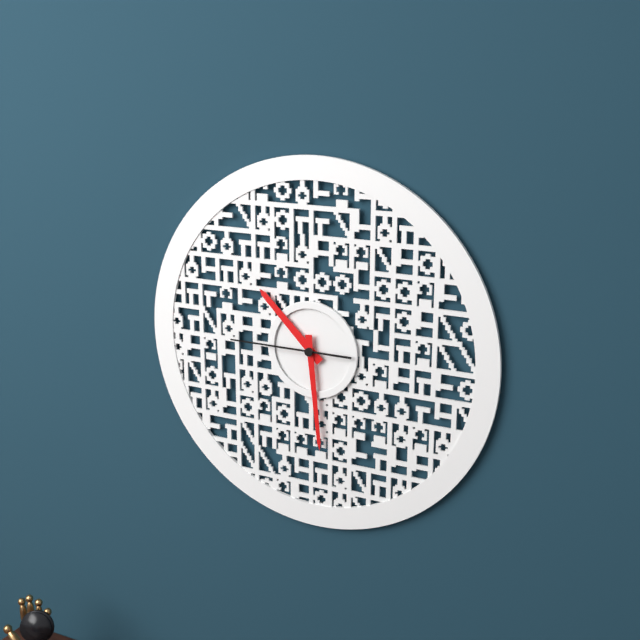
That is h=10 m=29 s=45
